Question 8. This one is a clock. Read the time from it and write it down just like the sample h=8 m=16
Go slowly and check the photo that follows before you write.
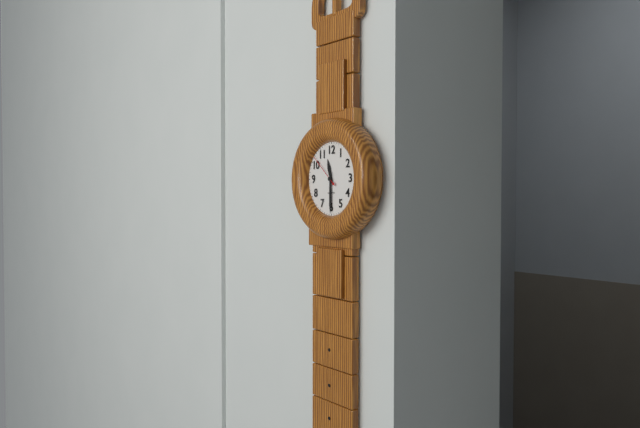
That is h=11 m=30
